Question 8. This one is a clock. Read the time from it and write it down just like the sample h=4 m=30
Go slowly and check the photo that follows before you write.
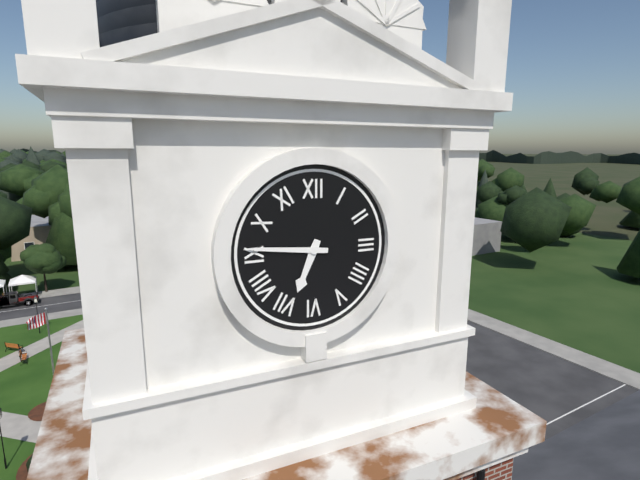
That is h=6 m=46
